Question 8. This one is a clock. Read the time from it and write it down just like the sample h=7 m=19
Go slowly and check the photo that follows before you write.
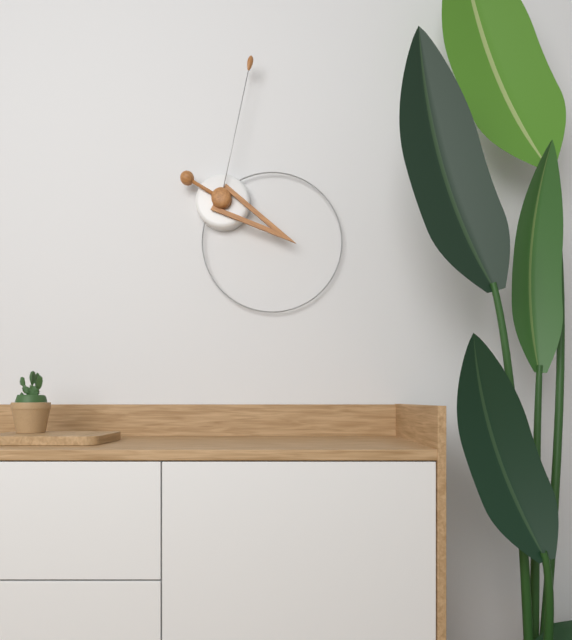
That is h=4 m=2
